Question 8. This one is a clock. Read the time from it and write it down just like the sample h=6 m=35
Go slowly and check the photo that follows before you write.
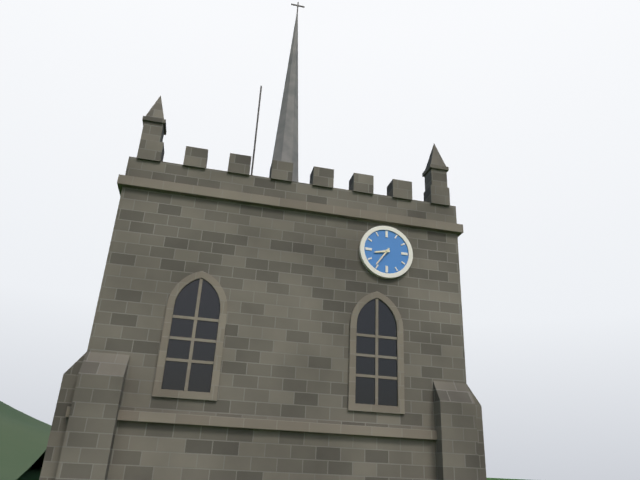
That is h=8 m=36
